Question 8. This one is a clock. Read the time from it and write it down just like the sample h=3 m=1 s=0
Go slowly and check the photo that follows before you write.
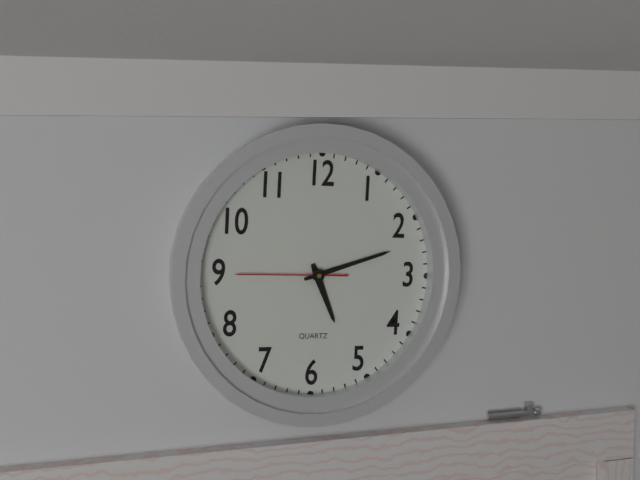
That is h=5 m=12 s=45
